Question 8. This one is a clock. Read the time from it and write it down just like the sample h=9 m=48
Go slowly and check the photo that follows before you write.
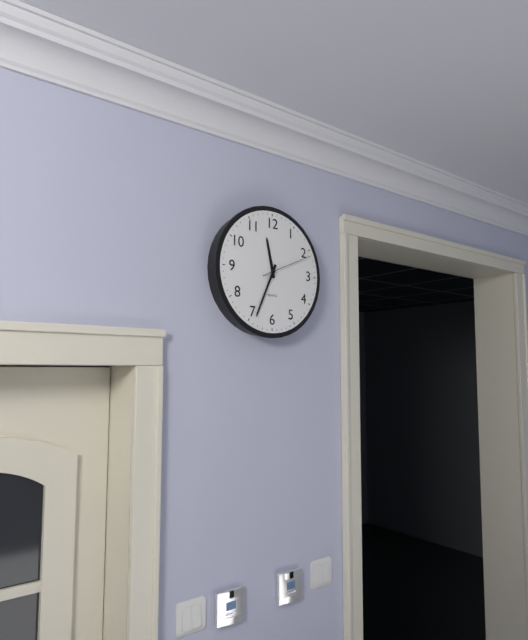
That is h=11 m=34
